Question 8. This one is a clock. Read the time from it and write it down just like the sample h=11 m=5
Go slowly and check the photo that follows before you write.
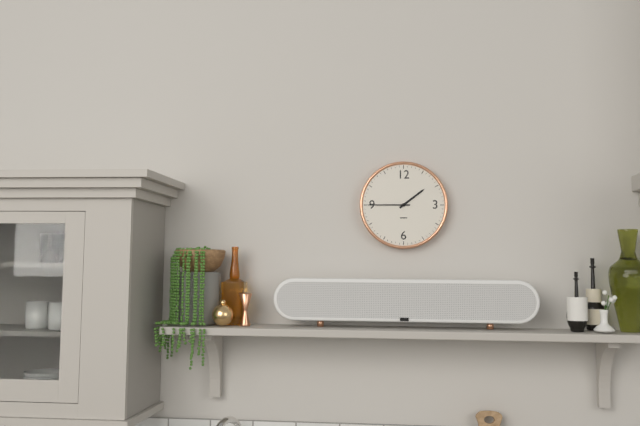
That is h=1 m=45
